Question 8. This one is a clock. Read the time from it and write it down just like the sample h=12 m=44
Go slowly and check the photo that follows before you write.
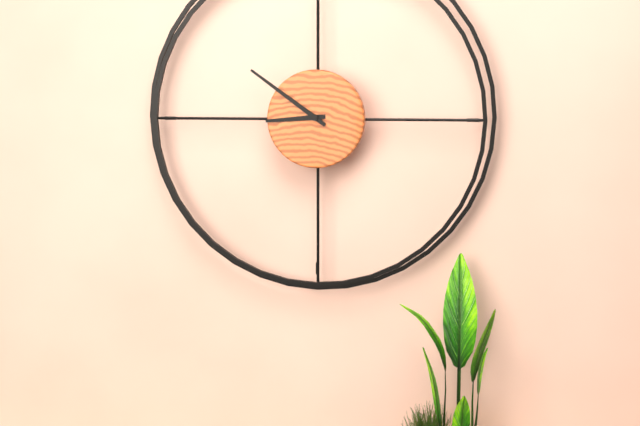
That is h=8 m=51
